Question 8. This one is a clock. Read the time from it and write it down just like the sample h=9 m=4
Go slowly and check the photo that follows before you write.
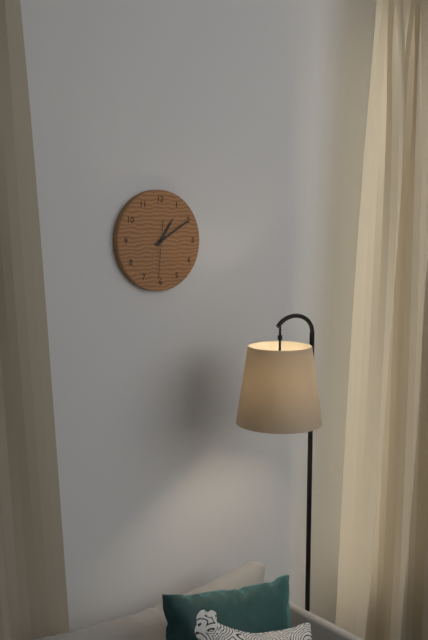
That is h=1 m=10
